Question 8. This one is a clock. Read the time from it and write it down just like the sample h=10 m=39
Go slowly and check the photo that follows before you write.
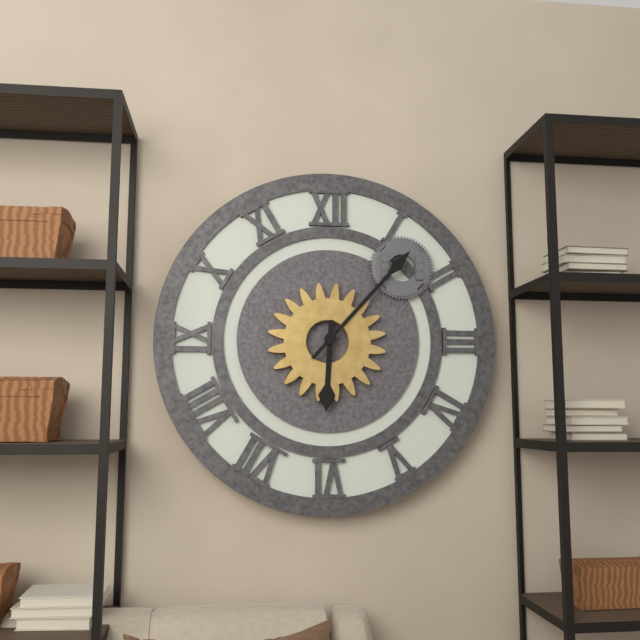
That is h=6 m=7
